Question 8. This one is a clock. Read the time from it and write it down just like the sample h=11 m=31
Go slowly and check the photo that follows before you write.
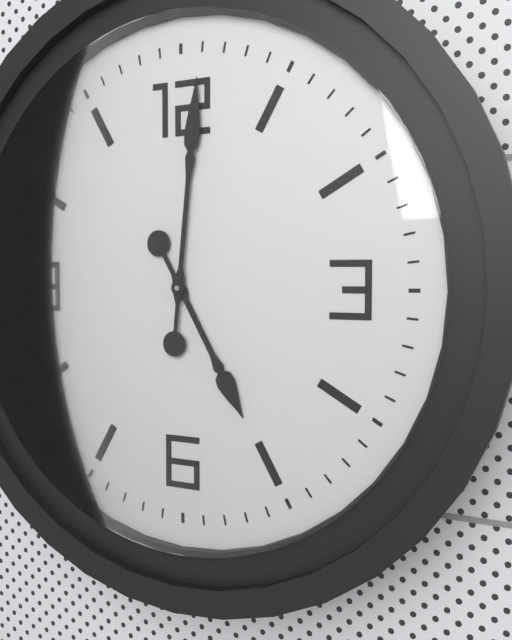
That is h=5 m=1
